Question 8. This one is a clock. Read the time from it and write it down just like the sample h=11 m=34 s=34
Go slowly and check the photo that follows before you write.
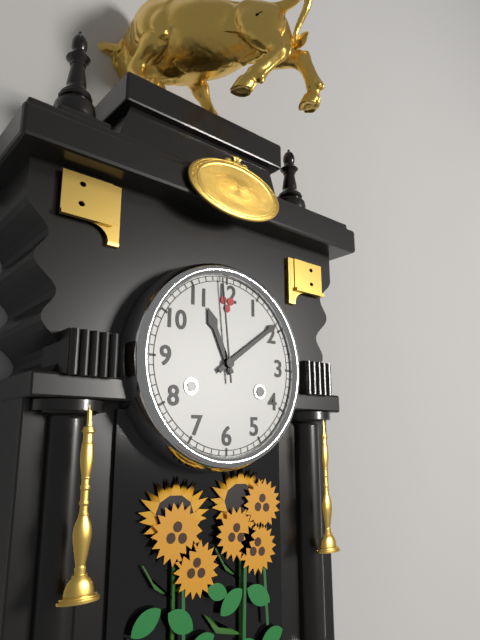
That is h=11 m=9 s=59
